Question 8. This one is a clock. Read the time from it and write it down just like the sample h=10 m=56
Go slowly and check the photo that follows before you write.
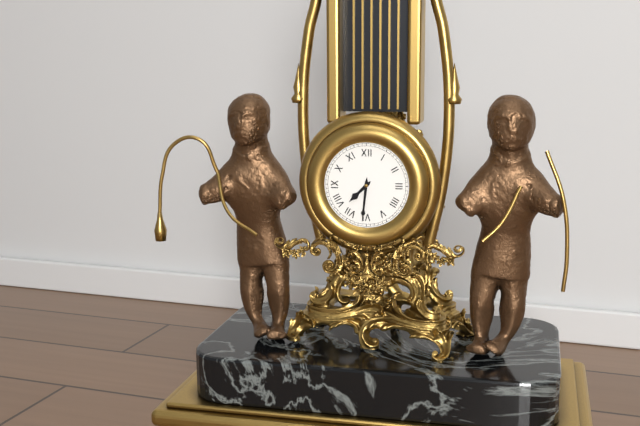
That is h=7 m=31
